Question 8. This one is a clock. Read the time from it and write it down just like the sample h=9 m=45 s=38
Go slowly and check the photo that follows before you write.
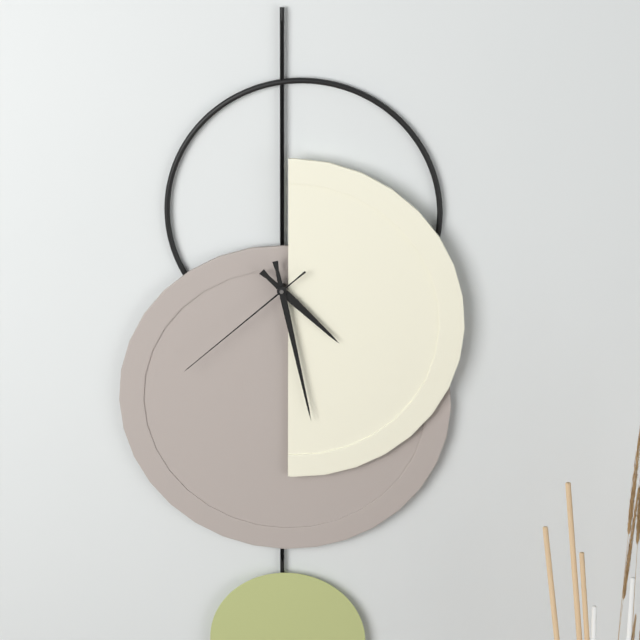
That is h=4 m=28 s=38
